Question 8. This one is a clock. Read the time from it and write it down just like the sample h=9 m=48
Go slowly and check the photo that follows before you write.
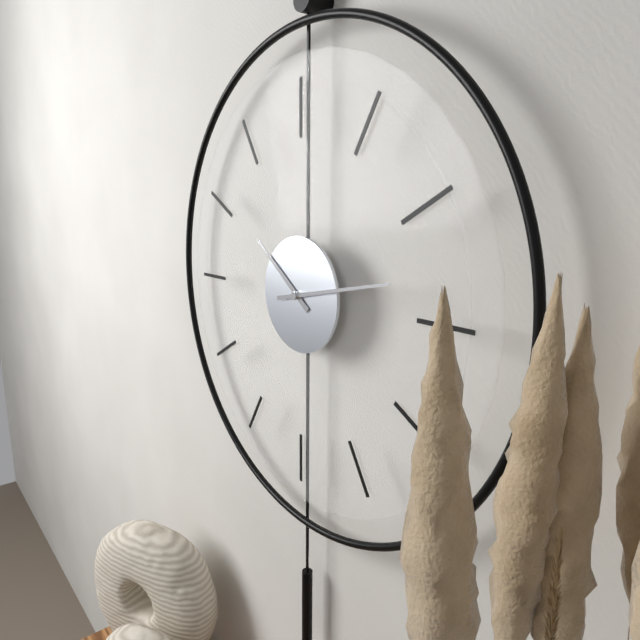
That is h=10 m=13
